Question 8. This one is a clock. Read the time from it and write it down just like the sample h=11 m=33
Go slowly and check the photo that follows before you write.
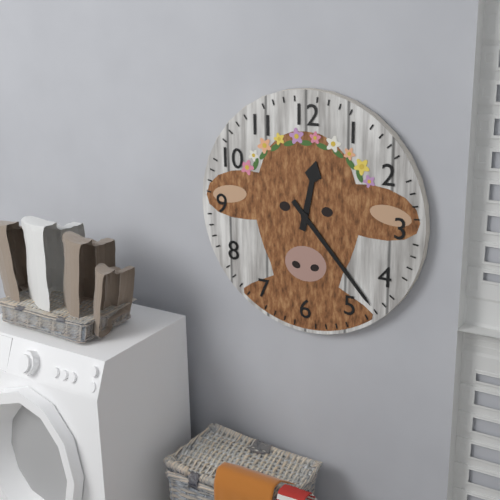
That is h=12 m=23
